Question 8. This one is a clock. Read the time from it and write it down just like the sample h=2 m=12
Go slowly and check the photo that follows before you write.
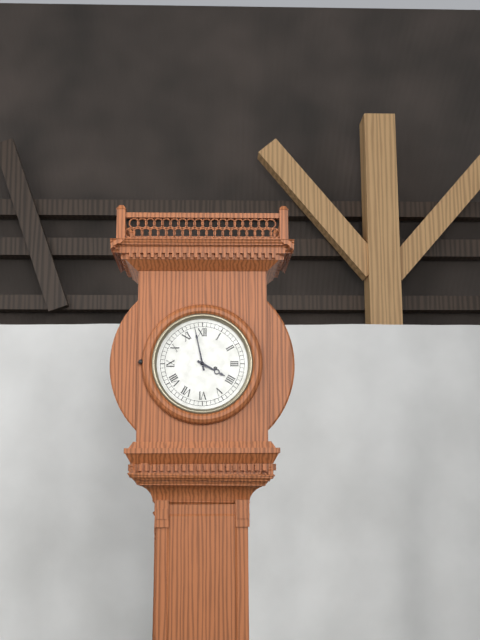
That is h=3 m=58
